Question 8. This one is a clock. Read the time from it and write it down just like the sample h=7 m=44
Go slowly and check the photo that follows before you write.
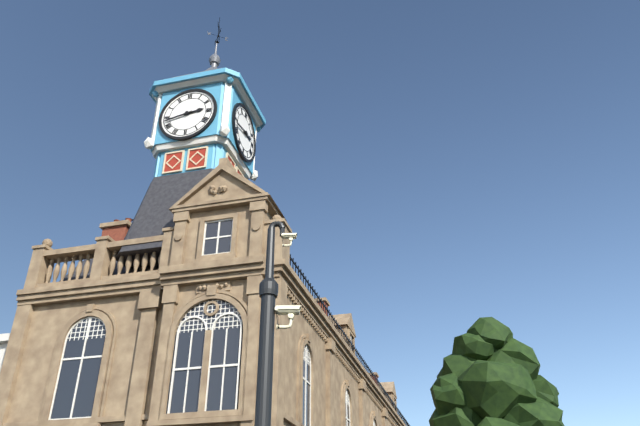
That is h=2 m=43
